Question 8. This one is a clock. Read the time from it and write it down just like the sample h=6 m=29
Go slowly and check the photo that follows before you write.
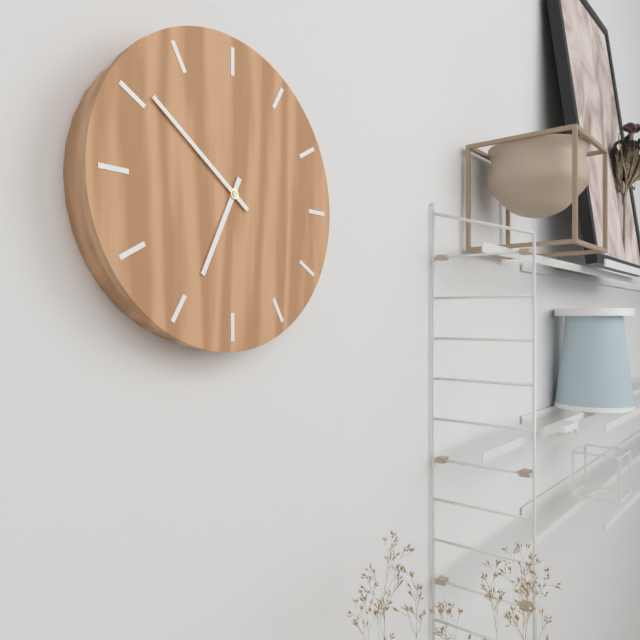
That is h=6 m=51
